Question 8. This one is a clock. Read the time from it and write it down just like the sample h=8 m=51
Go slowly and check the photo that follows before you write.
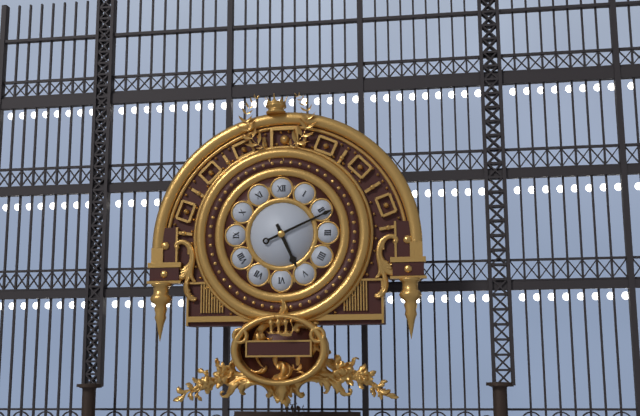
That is h=5 m=11
